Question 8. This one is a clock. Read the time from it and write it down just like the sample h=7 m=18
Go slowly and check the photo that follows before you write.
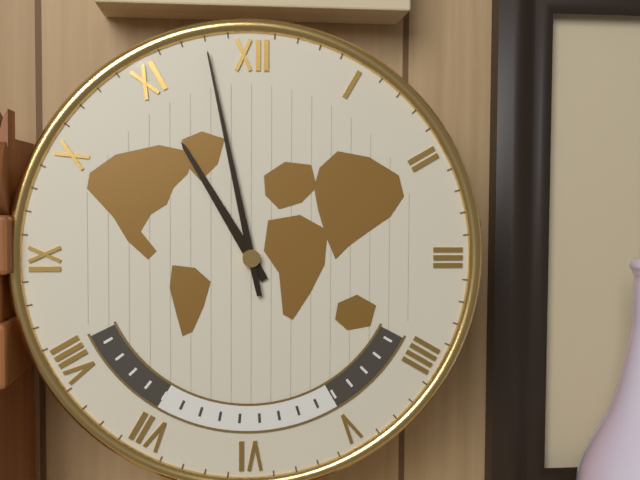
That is h=10 m=58
